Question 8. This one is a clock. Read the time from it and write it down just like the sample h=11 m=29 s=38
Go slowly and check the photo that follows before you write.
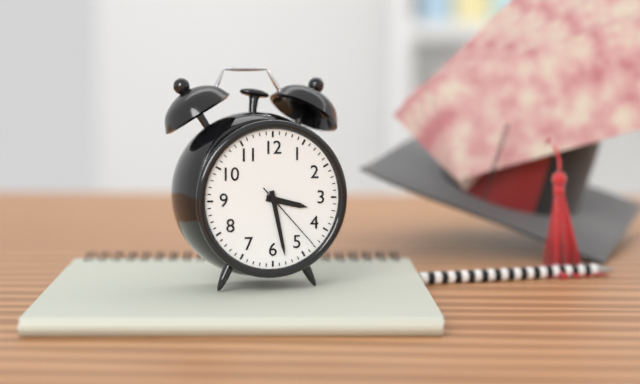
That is h=3 m=28 s=23
